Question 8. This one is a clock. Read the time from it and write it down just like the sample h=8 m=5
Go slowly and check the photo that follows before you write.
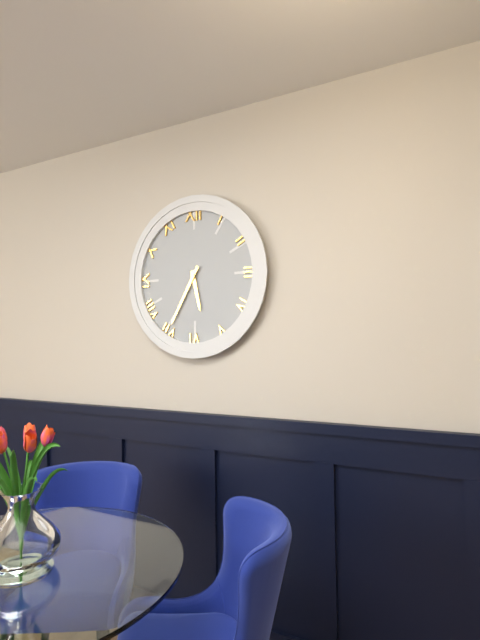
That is h=5 m=35
